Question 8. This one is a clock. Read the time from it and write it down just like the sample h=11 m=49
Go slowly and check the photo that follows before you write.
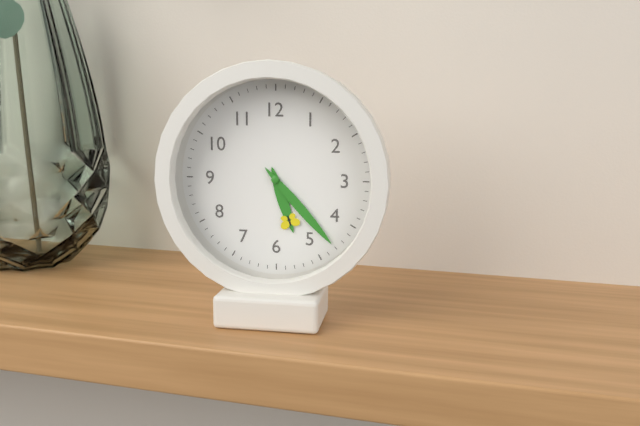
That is h=5 m=23
